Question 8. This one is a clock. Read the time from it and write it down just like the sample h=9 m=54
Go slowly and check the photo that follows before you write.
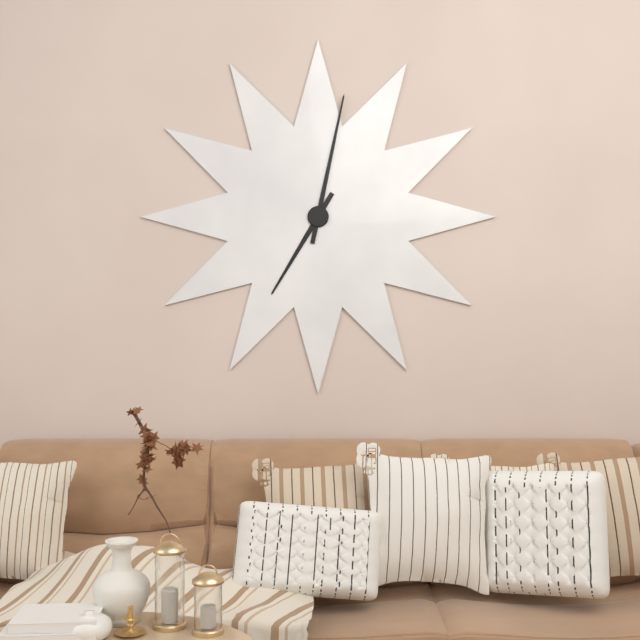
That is h=7 m=2
